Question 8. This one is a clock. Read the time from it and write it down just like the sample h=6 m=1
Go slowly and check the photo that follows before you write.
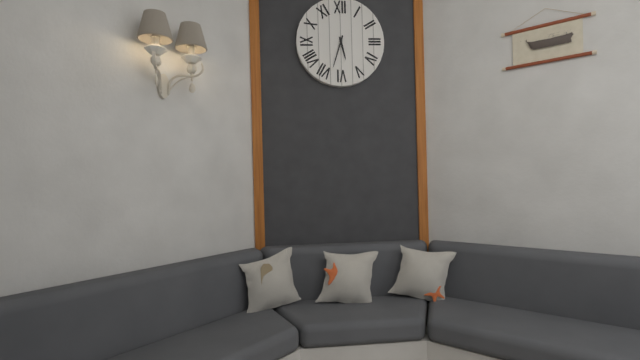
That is h=5 m=33
